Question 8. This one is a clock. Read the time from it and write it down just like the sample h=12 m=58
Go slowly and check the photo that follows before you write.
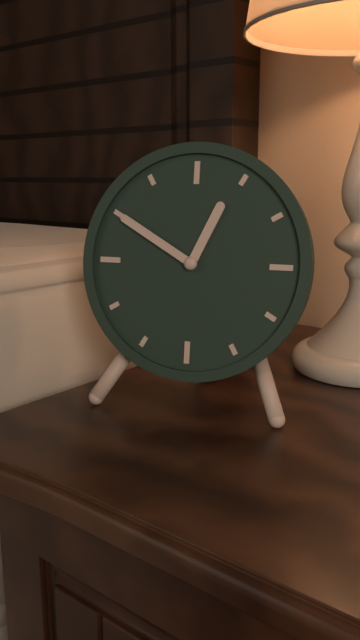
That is h=12 m=50
